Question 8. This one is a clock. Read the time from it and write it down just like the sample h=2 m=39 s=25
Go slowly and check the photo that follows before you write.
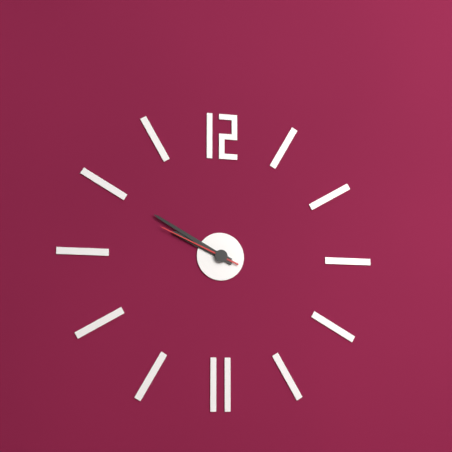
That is h=9 m=50 s=49
